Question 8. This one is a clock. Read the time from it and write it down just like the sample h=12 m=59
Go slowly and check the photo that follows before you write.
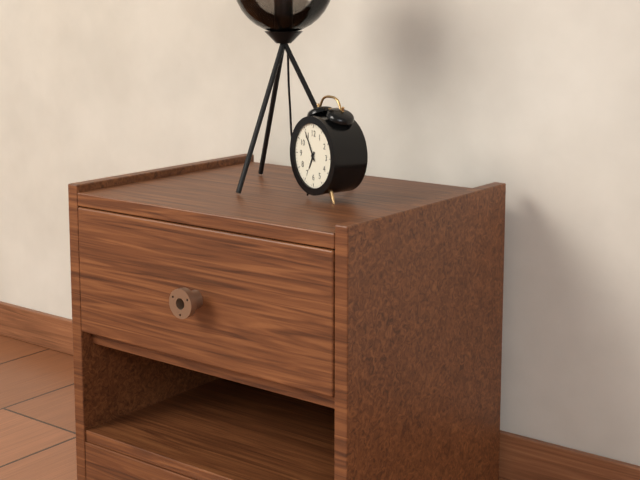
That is h=6 m=55
